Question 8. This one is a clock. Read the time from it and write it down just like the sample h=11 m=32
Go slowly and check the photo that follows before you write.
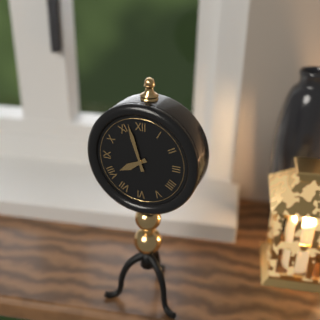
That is h=7 m=57
